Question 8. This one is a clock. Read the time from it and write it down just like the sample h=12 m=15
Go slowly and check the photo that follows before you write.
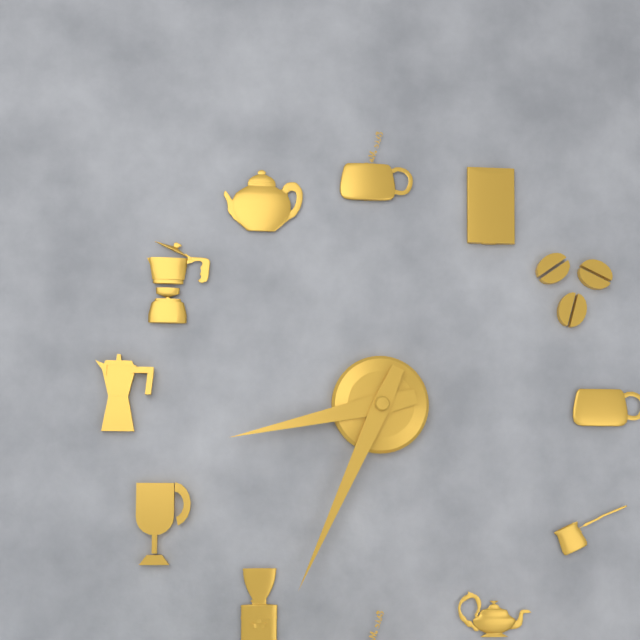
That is h=8 m=34
